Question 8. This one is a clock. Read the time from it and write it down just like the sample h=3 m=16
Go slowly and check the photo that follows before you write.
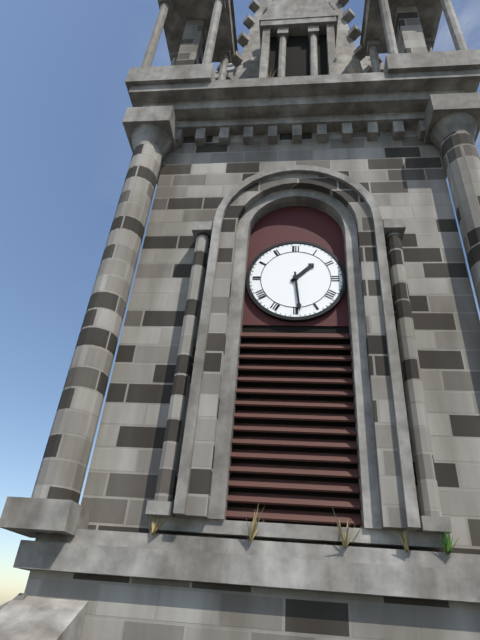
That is h=1 m=29
